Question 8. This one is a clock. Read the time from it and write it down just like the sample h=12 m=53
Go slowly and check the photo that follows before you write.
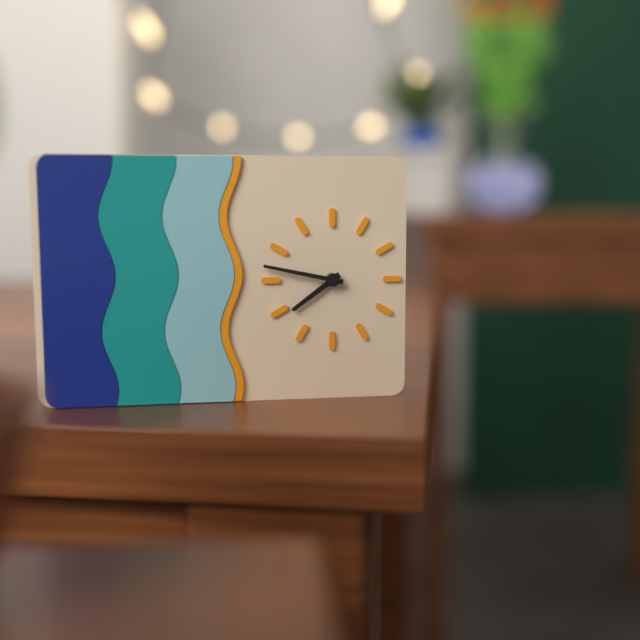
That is h=7 m=47
